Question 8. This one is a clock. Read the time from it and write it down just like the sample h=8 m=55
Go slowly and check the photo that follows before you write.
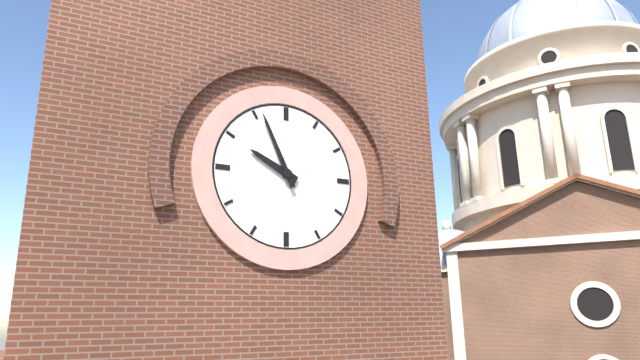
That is h=9 m=56
